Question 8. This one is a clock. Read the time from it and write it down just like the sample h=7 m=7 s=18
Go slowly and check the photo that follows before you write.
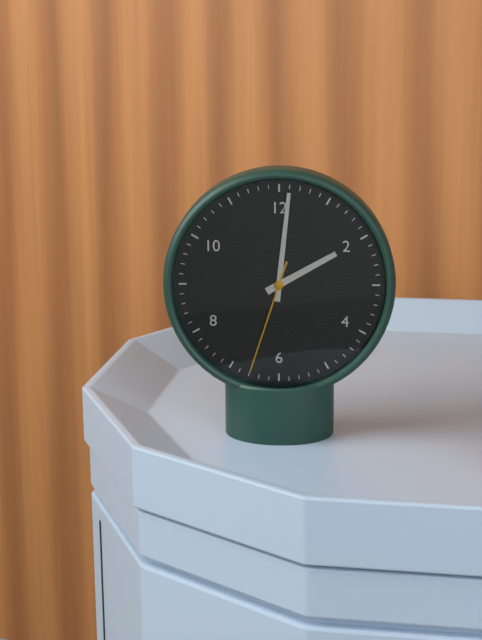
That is h=2 m=1 s=33
